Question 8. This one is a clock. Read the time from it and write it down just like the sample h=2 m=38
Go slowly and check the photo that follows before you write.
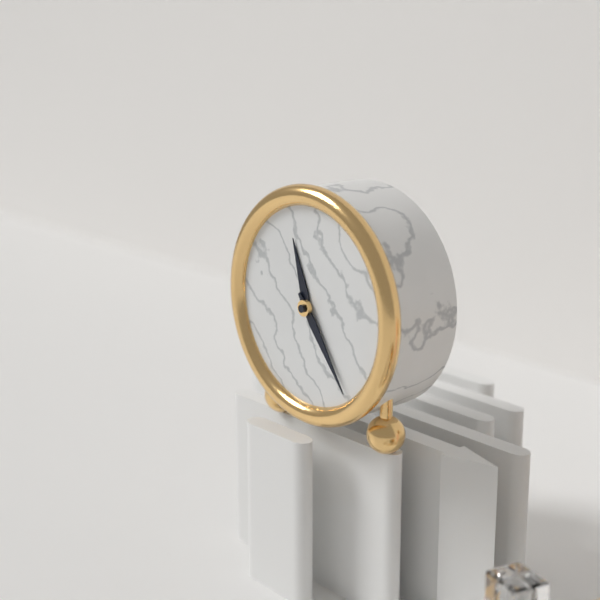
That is h=11 m=24
